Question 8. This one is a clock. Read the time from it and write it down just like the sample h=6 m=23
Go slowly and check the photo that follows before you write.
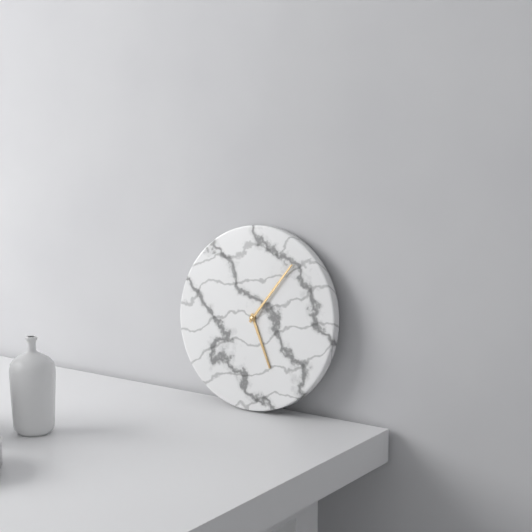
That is h=5 m=6
